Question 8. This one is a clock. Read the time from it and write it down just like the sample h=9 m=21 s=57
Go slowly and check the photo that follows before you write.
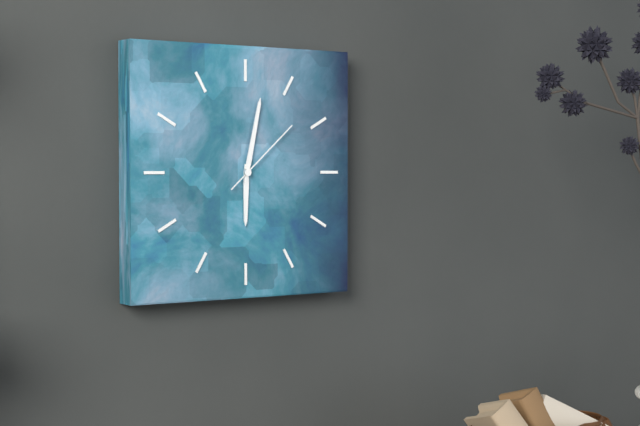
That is h=6 m=2 s=8
